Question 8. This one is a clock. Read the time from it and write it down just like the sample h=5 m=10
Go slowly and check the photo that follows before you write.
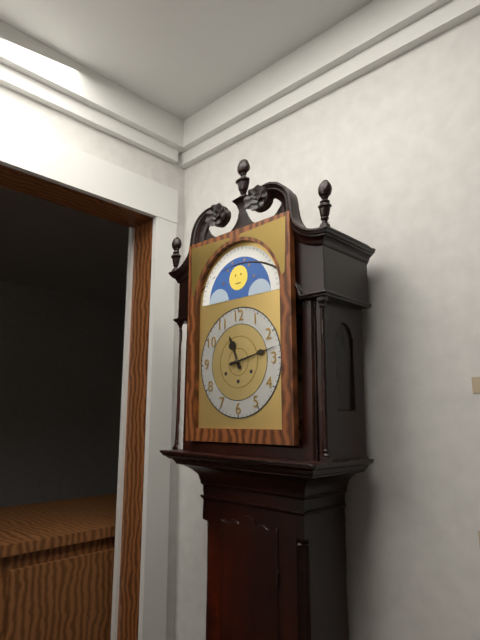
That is h=11 m=13
